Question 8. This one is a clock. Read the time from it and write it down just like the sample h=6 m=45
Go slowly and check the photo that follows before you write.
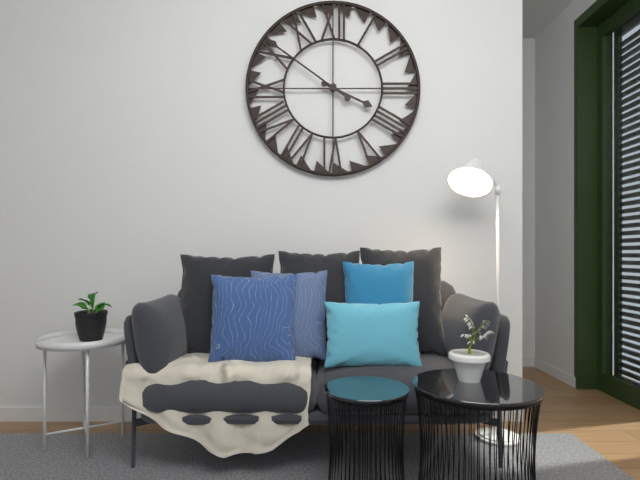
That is h=3 m=51
